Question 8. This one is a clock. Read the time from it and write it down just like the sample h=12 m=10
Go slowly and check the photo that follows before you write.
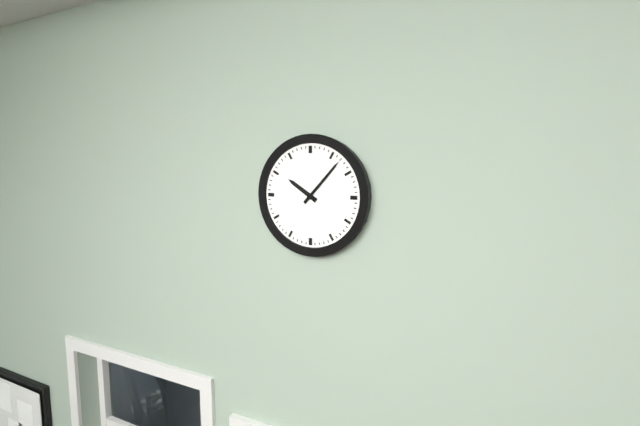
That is h=10 m=7
